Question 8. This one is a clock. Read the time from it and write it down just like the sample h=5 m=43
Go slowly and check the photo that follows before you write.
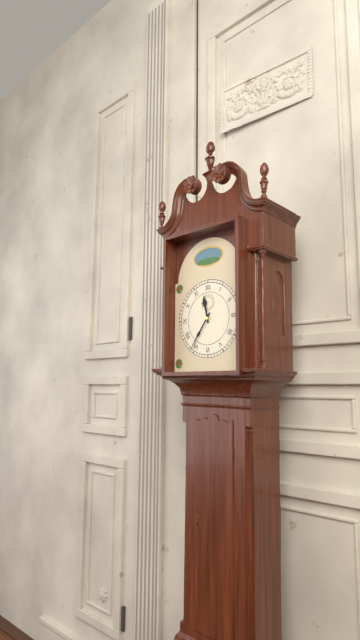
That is h=11 m=36
